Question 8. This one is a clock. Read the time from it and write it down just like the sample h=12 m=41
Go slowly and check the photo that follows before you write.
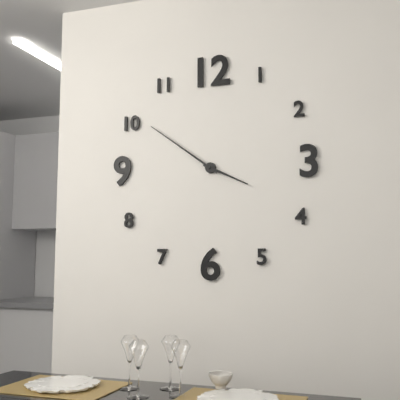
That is h=3 m=51
